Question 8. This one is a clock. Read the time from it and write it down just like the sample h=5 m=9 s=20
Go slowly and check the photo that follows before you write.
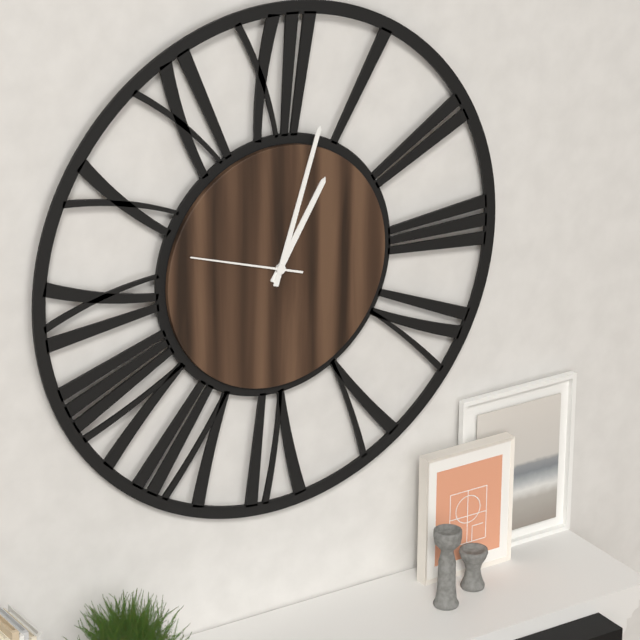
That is h=1 m=3 s=48
